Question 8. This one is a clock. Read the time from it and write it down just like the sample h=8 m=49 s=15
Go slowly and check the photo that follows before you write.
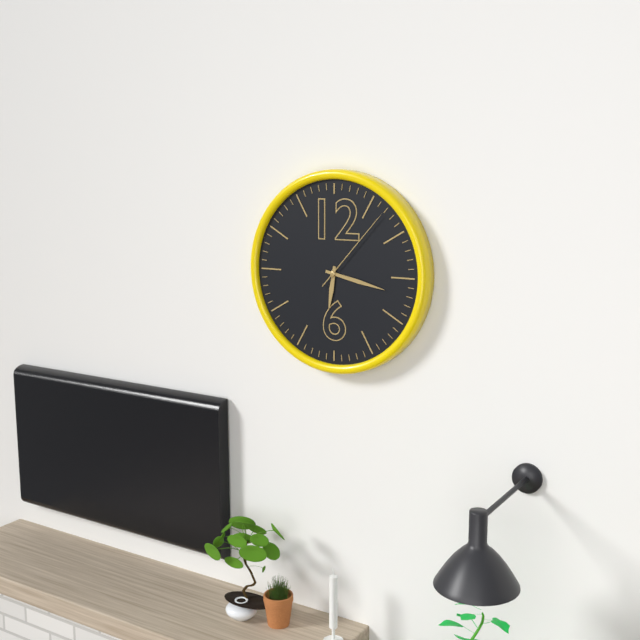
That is h=6 m=17 s=7
